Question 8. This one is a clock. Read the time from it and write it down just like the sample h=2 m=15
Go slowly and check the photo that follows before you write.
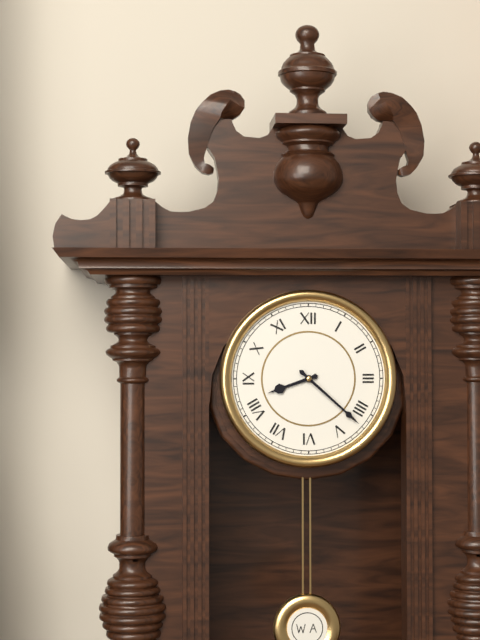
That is h=8 m=22
